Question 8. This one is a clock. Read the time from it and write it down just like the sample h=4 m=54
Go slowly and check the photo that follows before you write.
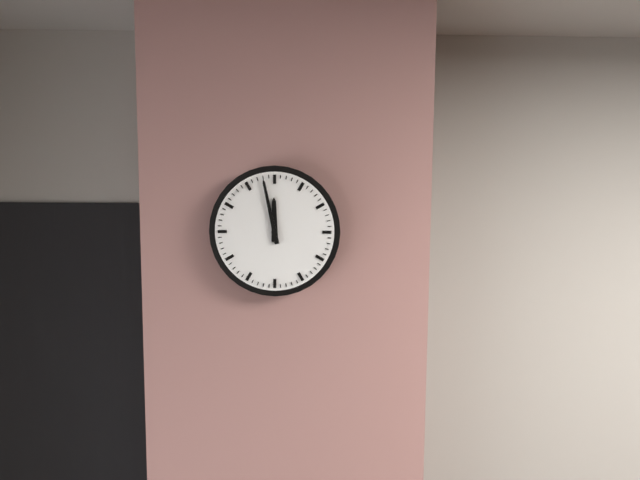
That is h=11 m=58
